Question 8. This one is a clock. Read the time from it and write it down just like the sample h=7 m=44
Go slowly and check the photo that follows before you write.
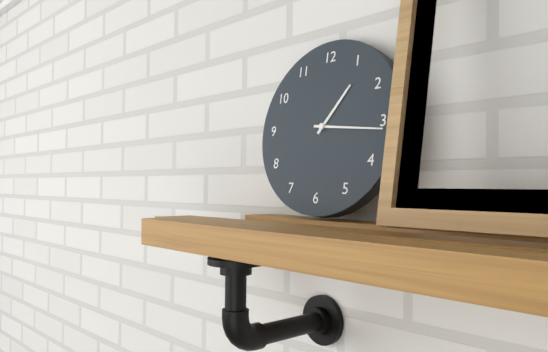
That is h=1 m=16
